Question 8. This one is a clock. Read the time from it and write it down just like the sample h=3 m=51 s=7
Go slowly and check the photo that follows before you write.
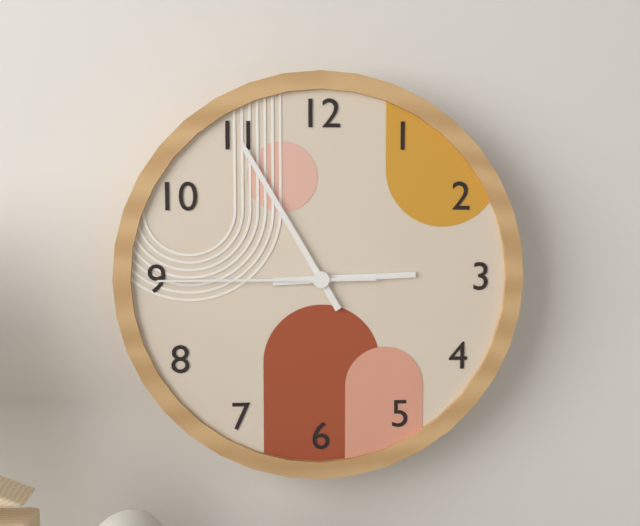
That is h=2 m=55 s=45
